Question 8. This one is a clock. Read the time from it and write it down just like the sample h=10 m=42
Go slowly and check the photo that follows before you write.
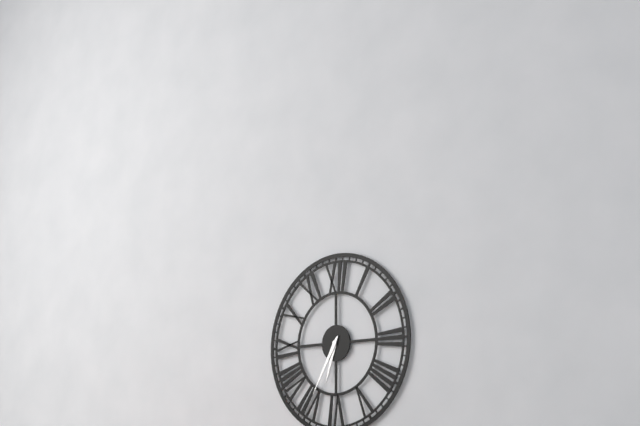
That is h=6 m=35
